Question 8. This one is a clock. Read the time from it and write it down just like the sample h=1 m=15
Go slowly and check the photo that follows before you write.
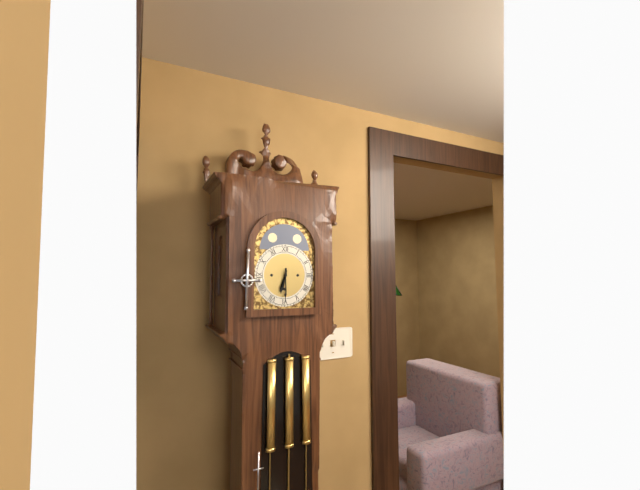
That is h=6 m=30
